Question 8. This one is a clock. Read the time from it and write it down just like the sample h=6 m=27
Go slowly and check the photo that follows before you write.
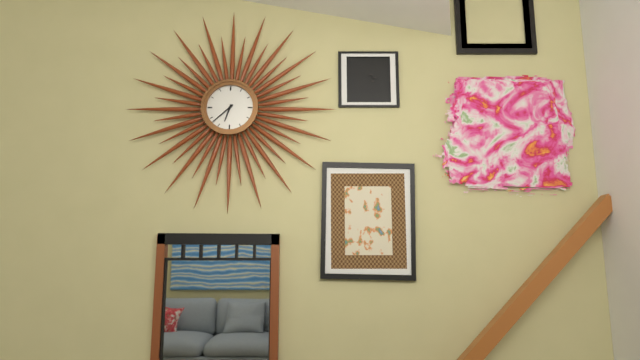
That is h=6 m=38
